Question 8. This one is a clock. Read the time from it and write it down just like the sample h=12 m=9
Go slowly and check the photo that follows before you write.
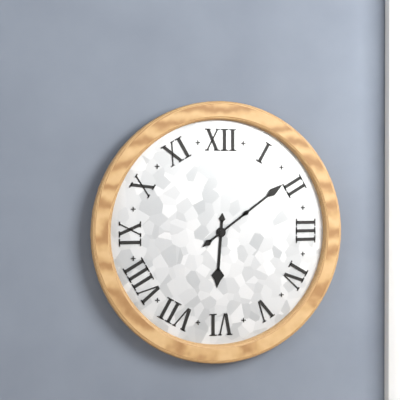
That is h=6 m=9
